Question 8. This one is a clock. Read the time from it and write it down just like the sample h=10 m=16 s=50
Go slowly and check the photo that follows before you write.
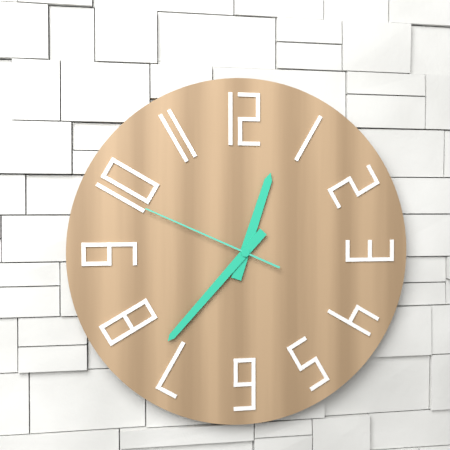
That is h=12 m=37 s=49
